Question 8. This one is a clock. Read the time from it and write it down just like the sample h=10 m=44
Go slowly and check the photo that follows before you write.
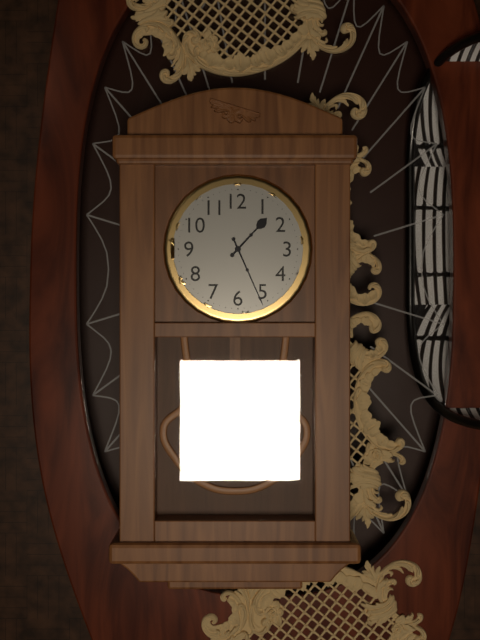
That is h=1 m=26
